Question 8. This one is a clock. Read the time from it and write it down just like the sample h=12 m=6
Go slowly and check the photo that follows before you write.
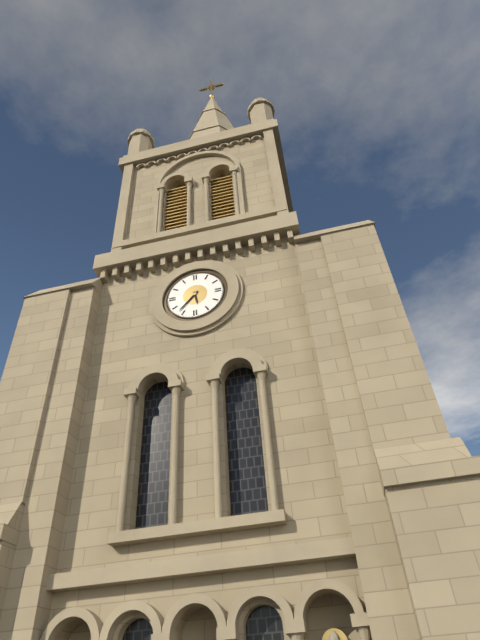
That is h=5 m=37
